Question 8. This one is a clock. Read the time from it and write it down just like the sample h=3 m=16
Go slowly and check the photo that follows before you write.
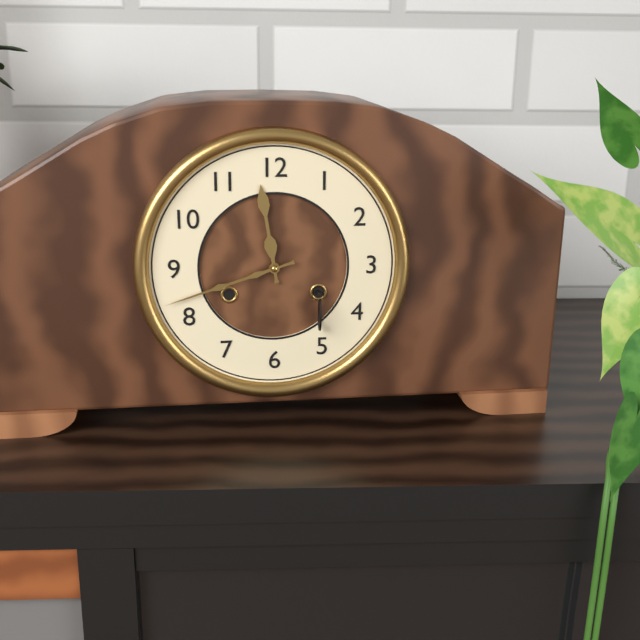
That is h=11 m=42
